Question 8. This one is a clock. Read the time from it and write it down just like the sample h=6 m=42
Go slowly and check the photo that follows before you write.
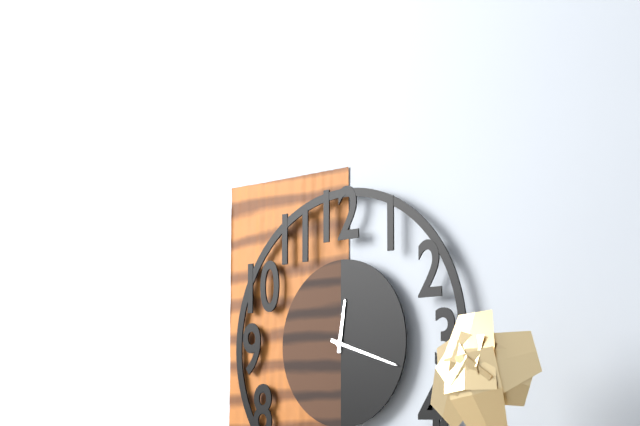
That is h=12 m=18
